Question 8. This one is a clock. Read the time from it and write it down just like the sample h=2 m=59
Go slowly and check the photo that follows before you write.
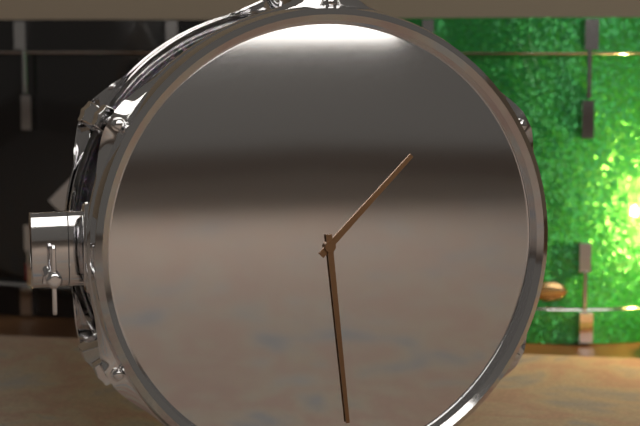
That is h=1 m=29
